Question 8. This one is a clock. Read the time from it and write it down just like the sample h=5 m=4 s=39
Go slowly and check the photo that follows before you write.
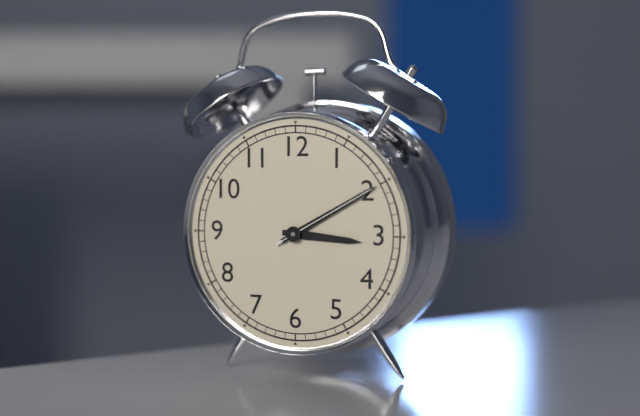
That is h=3 m=10 s=10
